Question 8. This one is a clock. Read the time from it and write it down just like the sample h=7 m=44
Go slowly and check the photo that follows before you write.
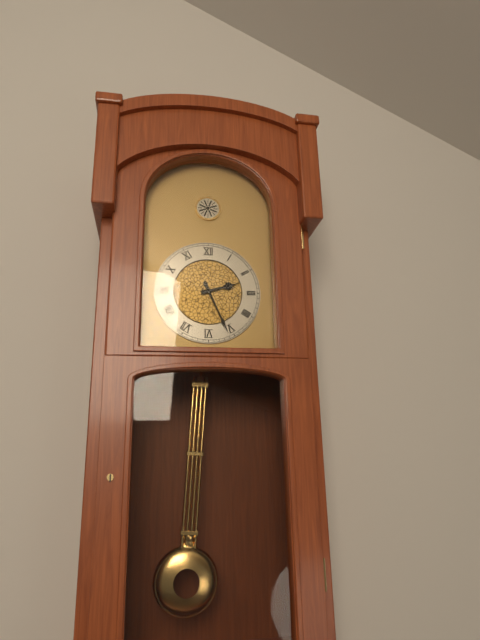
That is h=2 m=26
